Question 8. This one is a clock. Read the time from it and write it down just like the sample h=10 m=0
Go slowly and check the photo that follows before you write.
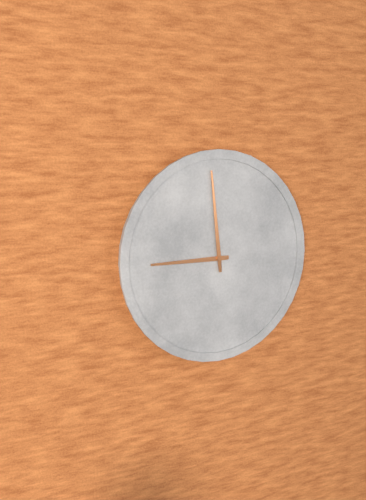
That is h=8 m=59
